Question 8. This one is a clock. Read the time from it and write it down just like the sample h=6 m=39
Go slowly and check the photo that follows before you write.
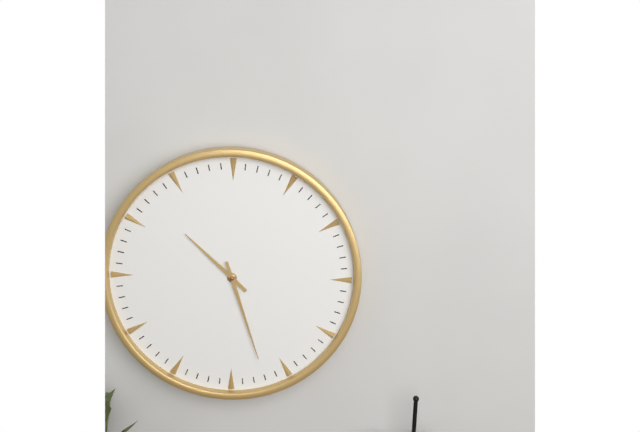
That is h=10 m=27
